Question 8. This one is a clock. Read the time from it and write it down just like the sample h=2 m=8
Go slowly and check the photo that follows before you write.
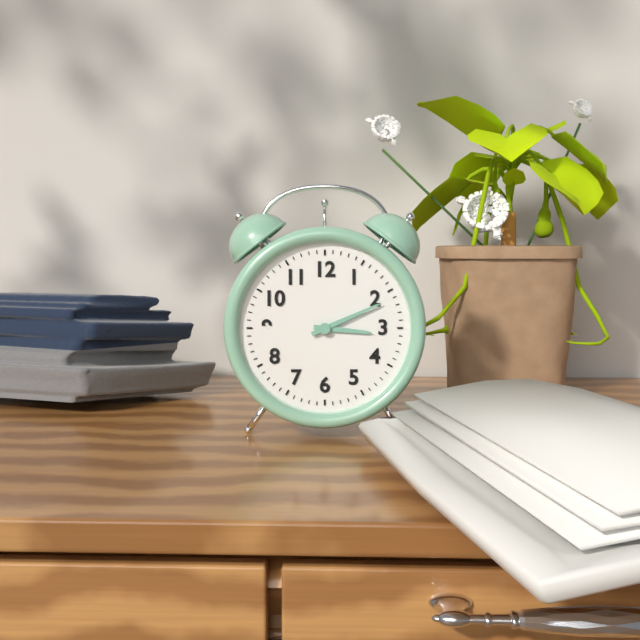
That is h=3 m=11
